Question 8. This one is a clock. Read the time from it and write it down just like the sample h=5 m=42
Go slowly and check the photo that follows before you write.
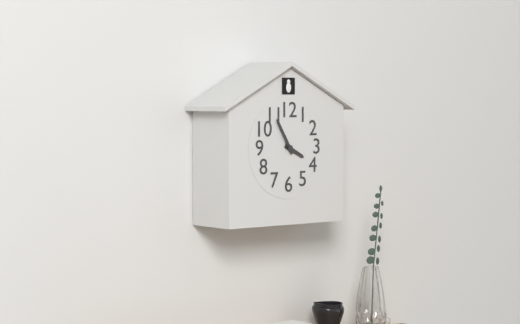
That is h=3 m=55
